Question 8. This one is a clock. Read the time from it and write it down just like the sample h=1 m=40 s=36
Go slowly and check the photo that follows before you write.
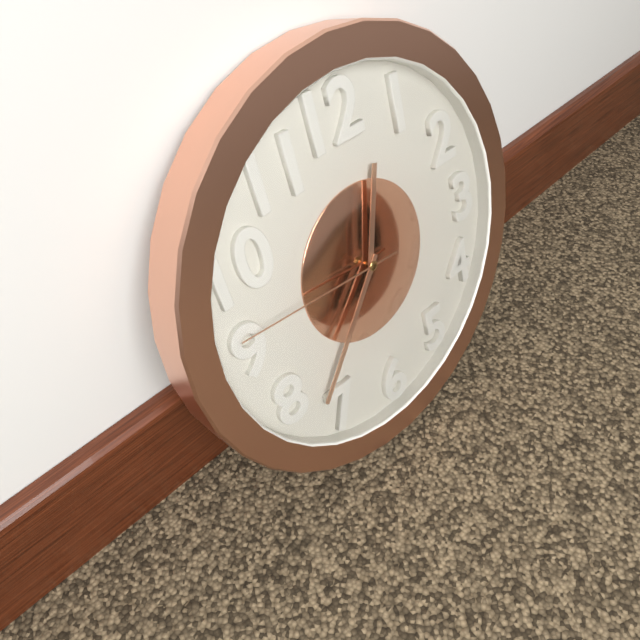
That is h=12 m=37 s=46
